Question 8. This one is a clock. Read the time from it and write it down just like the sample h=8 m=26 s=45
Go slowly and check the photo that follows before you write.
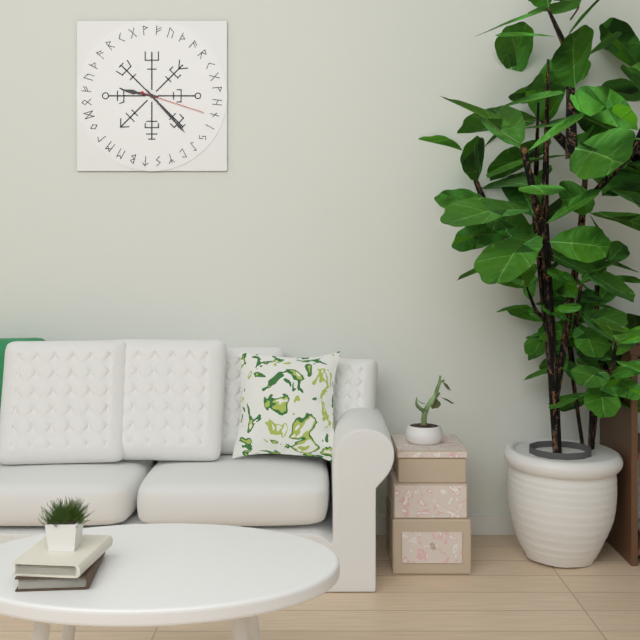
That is h=9 m=23 s=18
